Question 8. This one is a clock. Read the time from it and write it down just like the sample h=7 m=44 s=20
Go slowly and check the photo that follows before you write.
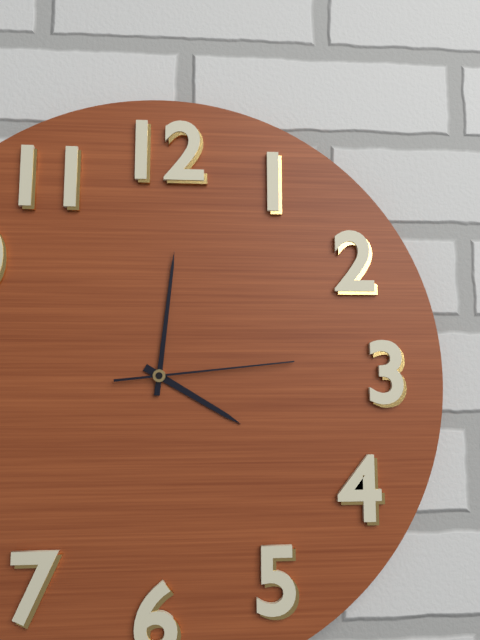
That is h=4 m=1 s=14
